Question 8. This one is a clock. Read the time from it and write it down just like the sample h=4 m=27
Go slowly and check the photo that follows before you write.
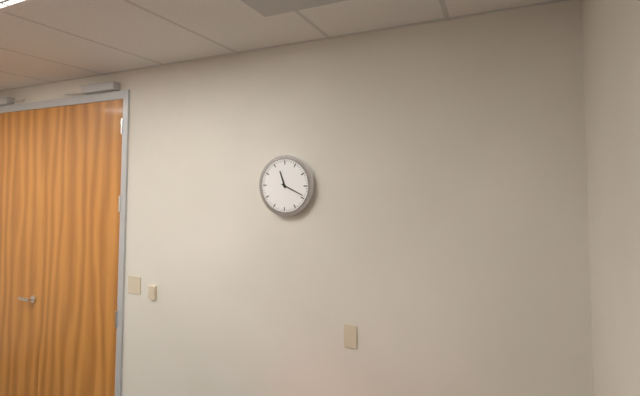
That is h=11 m=19
